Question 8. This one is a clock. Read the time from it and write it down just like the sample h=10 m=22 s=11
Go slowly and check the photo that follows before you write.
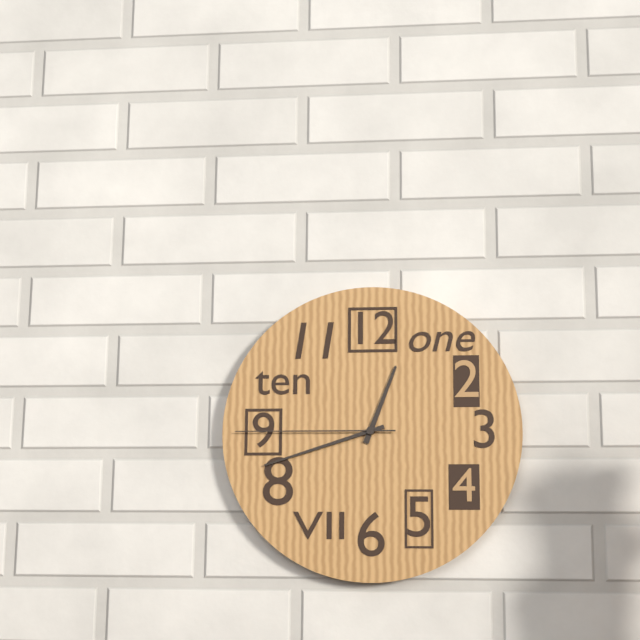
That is h=12 m=42 s=45
